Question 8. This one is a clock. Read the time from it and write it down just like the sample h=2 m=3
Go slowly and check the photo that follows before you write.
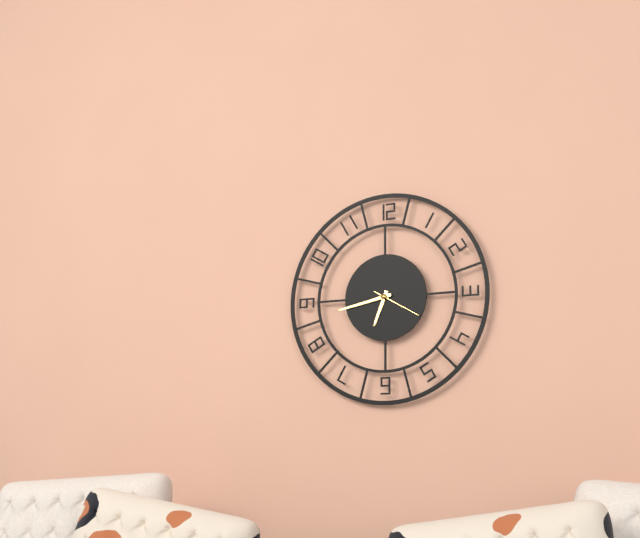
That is h=6 m=43
